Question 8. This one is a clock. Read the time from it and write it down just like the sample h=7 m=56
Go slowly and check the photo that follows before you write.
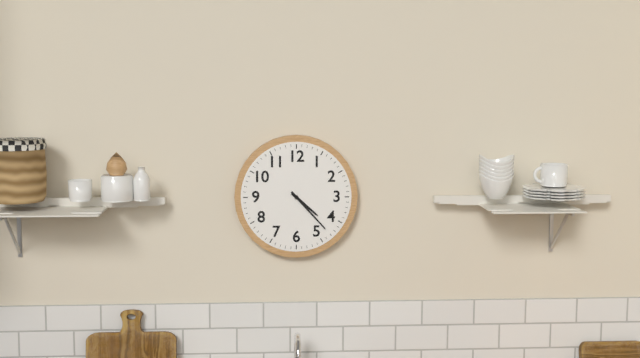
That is h=4 m=23
